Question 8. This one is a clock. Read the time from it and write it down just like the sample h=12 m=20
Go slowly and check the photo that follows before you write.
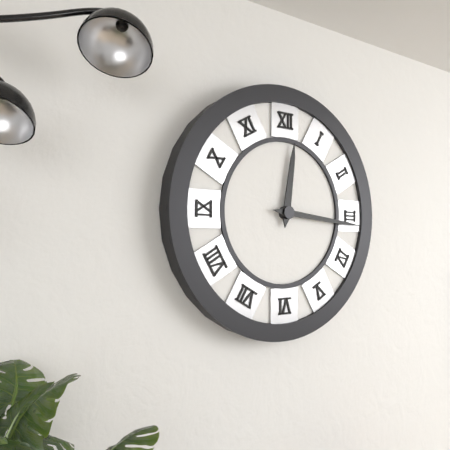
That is h=12 m=16
